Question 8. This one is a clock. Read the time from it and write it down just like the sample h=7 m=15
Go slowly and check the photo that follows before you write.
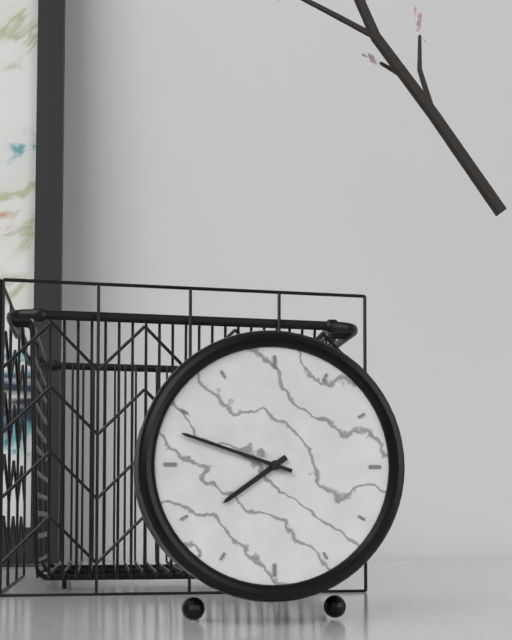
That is h=7 m=48
